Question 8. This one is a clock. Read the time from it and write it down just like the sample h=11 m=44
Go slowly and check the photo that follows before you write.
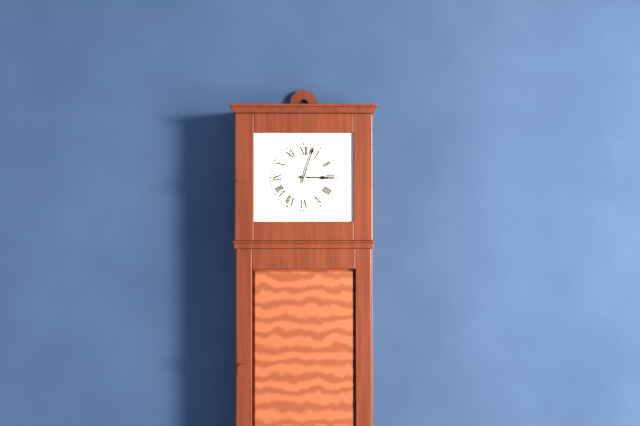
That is h=3 m=3
